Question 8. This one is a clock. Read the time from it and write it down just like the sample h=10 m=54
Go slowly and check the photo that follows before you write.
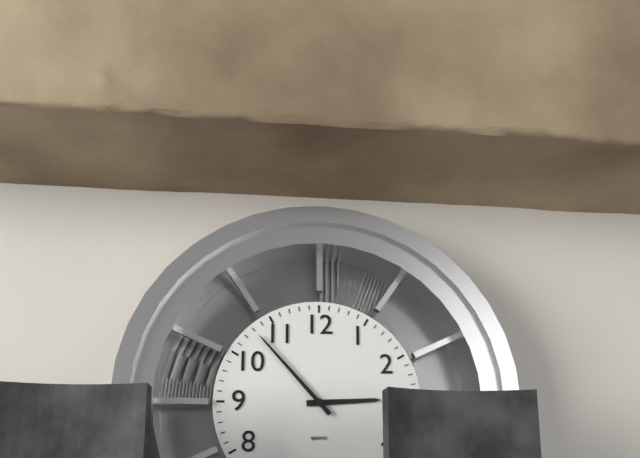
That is h=2 m=53
